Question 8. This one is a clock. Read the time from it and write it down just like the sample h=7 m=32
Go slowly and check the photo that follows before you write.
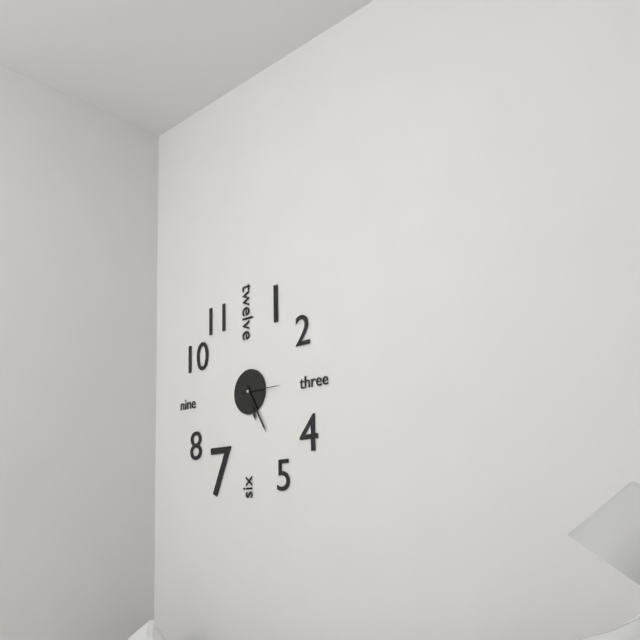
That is h=5 m=25
